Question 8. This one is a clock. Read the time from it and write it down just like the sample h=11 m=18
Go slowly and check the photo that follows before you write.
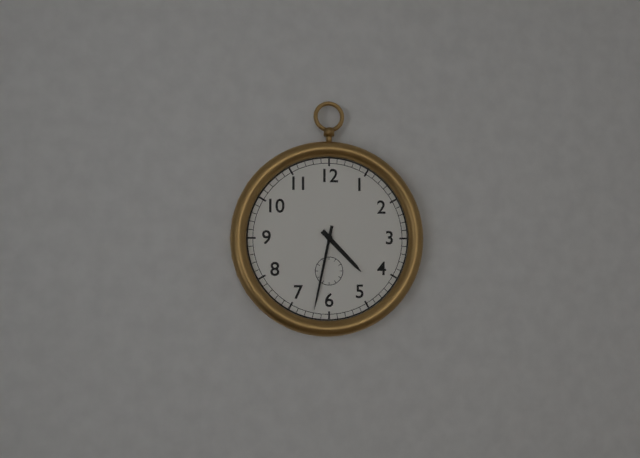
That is h=4 m=32
